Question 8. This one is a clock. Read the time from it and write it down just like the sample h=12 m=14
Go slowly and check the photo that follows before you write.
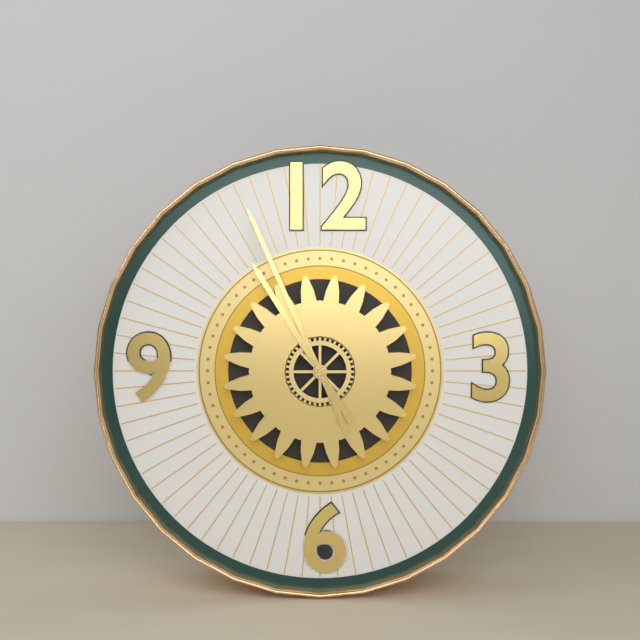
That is h=10 m=56
